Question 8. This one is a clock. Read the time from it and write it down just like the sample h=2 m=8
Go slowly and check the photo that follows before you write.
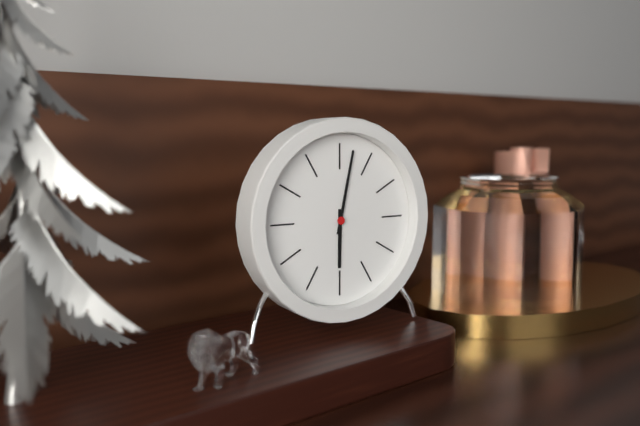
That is h=6 m=2
